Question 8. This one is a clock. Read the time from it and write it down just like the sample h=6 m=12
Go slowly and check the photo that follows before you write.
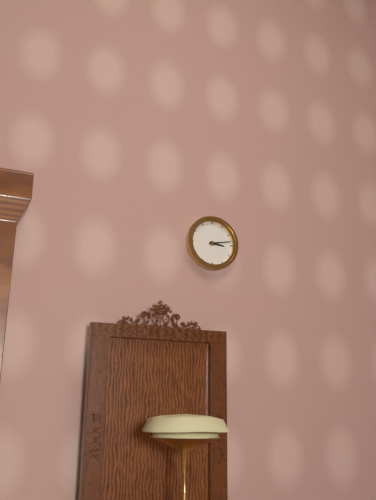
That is h=3 m=13
